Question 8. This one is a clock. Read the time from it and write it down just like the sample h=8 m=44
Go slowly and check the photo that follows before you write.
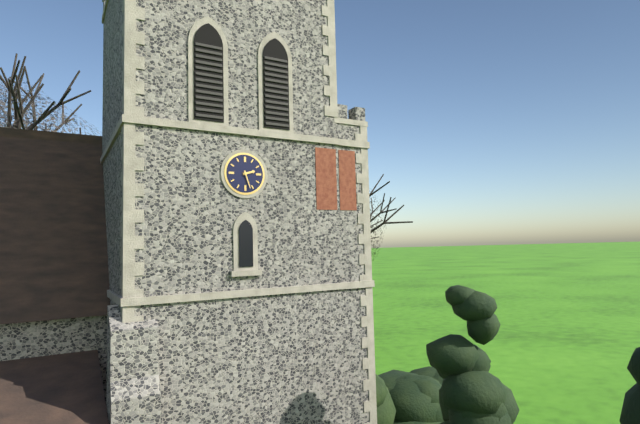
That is h=2 m=27
